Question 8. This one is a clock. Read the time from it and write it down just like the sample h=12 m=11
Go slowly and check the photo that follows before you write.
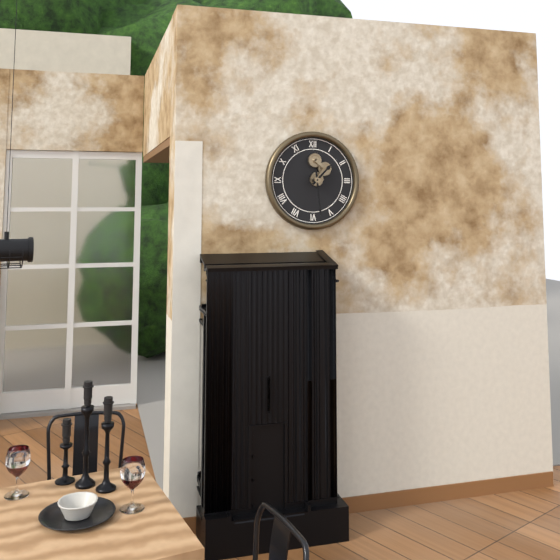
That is h=1 m=29
